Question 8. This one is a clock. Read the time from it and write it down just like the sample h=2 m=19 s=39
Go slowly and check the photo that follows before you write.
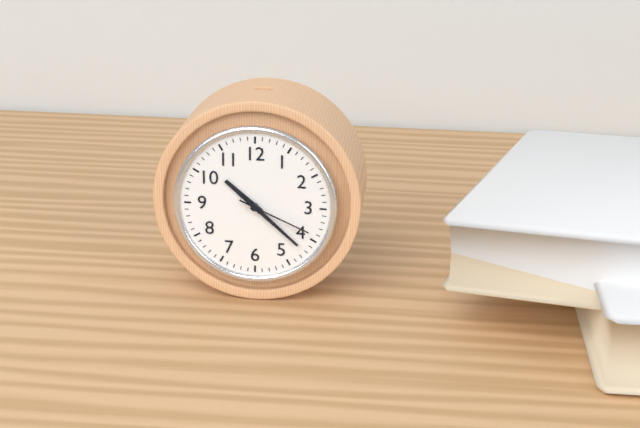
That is h=10 m=22 s=19
